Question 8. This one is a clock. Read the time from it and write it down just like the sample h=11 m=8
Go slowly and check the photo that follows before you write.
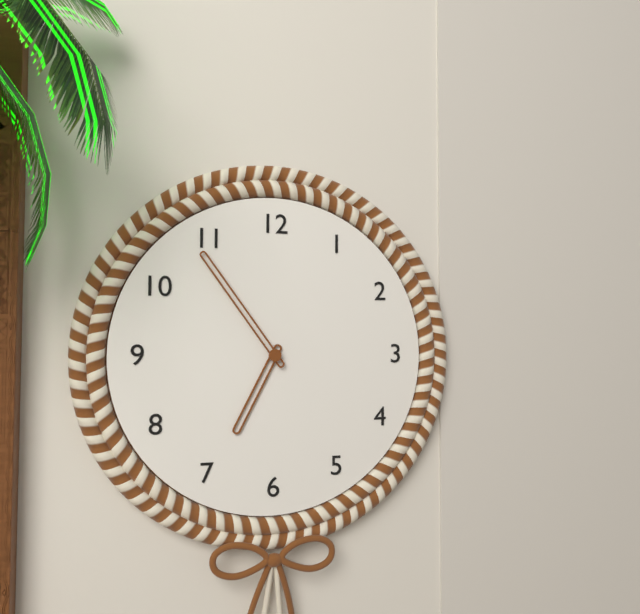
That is h=6 m=54
